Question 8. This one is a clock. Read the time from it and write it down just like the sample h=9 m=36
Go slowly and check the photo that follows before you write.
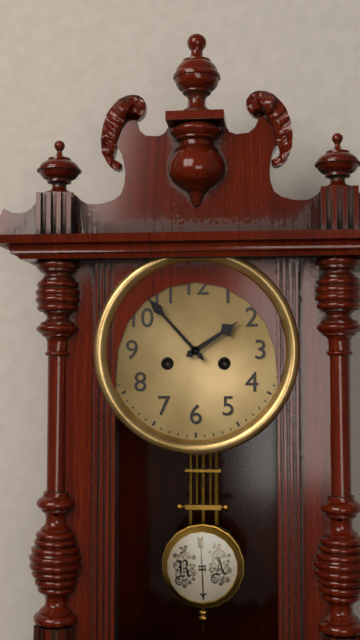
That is h=1 m=53
